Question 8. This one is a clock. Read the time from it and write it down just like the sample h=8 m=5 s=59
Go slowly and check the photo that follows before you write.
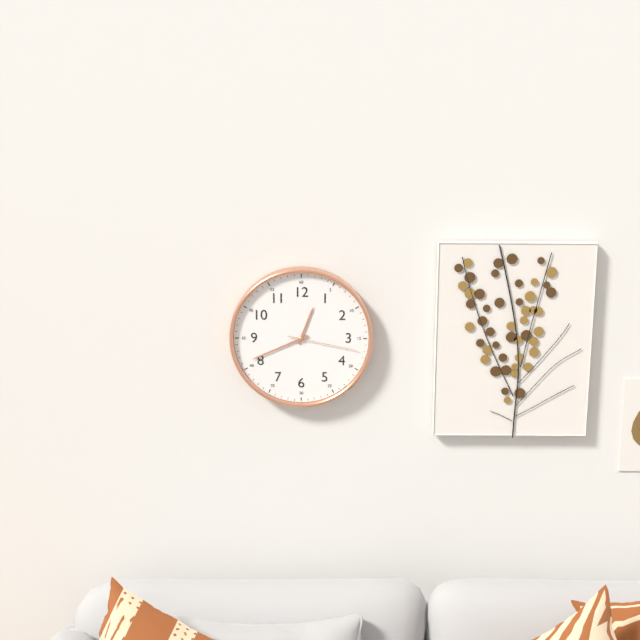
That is h=12 m=41 s=17
